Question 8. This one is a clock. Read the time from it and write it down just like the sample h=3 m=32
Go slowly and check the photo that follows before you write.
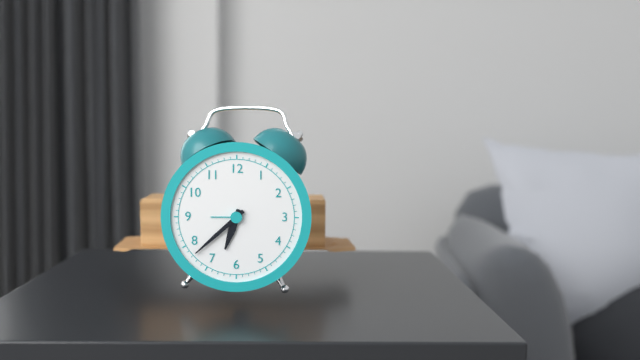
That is h=6 m=38
